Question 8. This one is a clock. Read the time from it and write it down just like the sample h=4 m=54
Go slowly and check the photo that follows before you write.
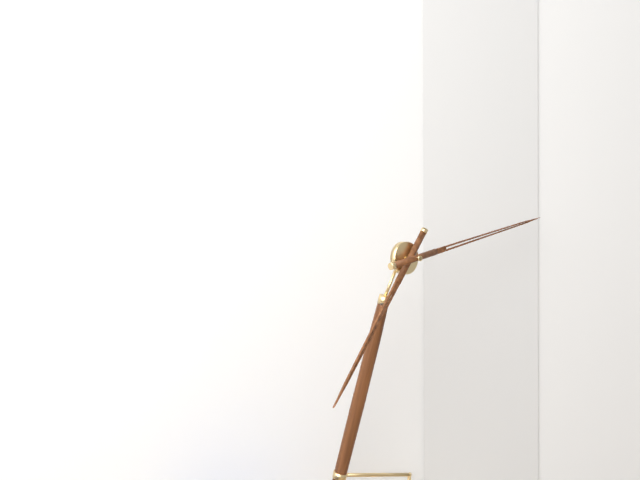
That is h=7 m=13
